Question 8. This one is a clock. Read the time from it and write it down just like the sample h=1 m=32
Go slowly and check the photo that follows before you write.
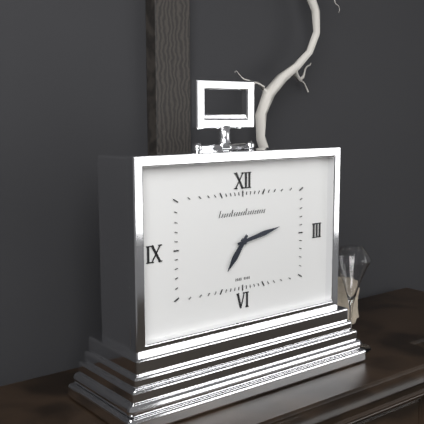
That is h=7 m=13
